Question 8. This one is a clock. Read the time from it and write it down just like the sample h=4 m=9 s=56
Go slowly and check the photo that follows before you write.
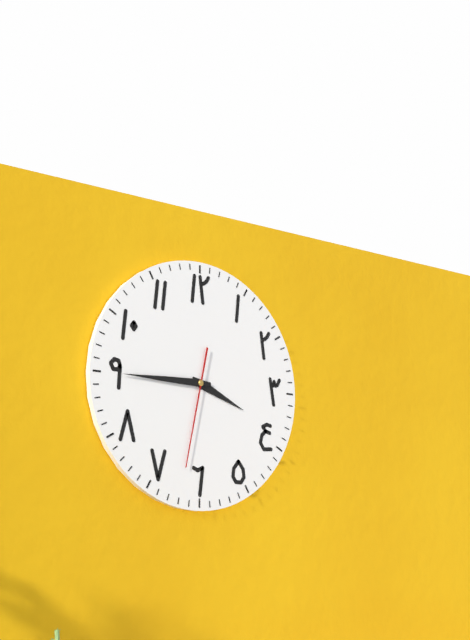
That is h=3 m=45 s=32
